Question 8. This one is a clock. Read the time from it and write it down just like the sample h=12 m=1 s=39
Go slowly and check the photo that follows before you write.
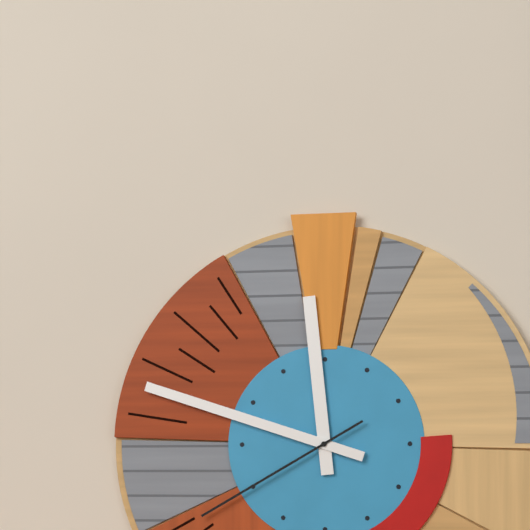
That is h=11 m=48 s=40
